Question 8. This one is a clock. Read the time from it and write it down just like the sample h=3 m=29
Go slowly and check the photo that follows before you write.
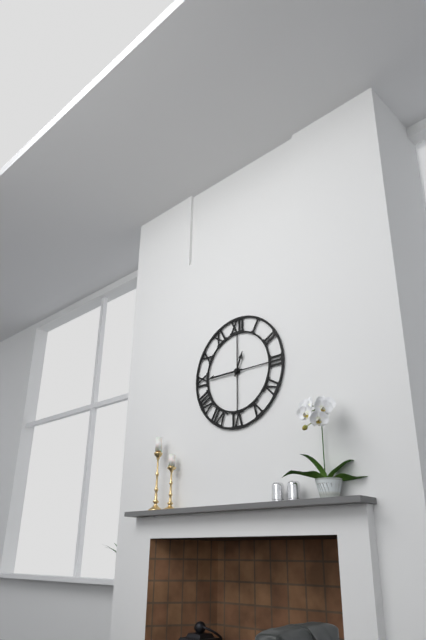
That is h=12 m=45
